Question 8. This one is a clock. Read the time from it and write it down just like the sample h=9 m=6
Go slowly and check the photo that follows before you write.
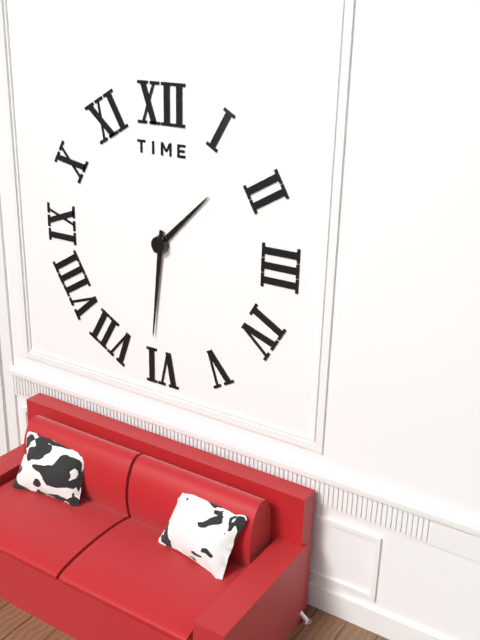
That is h=1 m=31
